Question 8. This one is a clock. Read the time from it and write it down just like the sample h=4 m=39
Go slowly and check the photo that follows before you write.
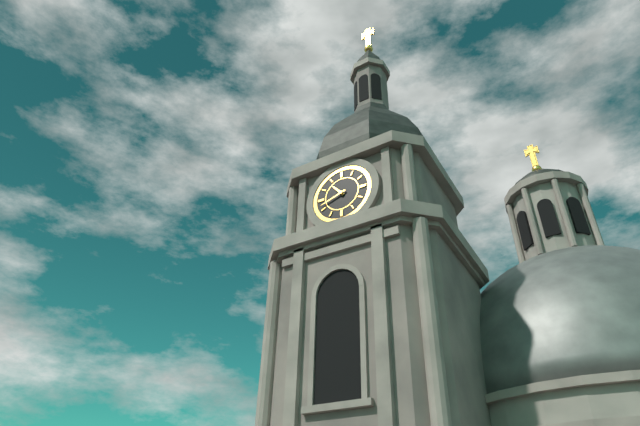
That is h=10 m=42
